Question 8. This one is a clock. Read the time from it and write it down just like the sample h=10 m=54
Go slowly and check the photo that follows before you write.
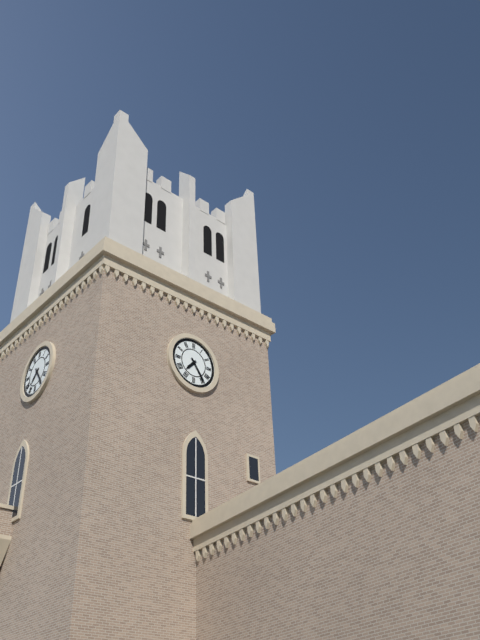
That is h=7 m=24
